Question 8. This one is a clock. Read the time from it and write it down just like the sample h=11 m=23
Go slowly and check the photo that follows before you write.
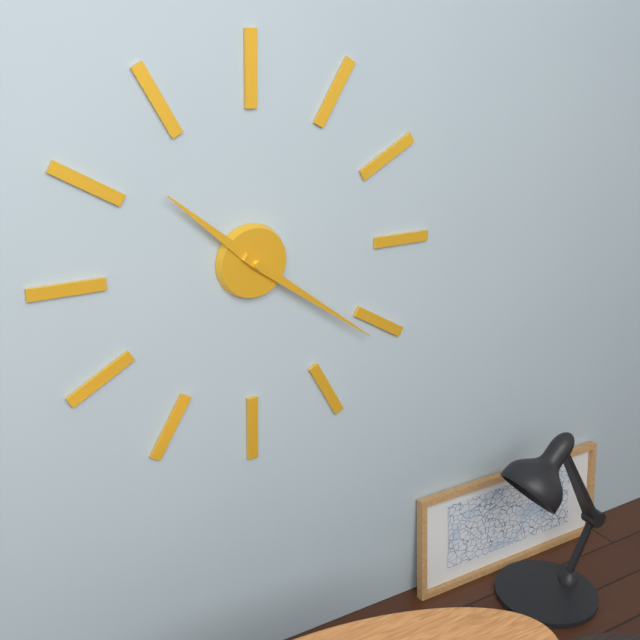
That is h=10 m=21
